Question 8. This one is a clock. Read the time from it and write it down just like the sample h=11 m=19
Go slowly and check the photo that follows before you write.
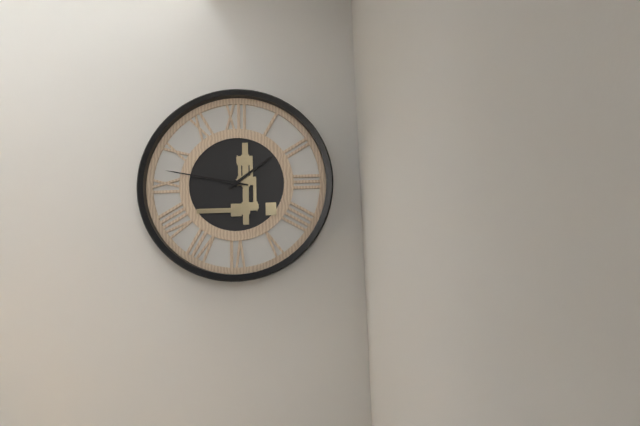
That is h=1 m=47
